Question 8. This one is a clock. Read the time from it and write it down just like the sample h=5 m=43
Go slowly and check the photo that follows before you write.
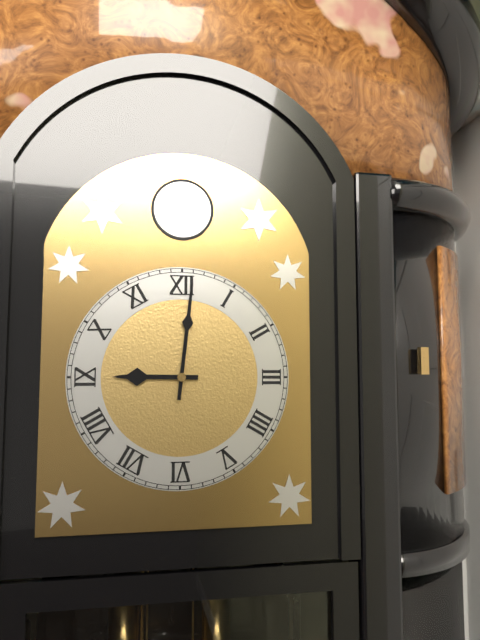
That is h=9 m=1
